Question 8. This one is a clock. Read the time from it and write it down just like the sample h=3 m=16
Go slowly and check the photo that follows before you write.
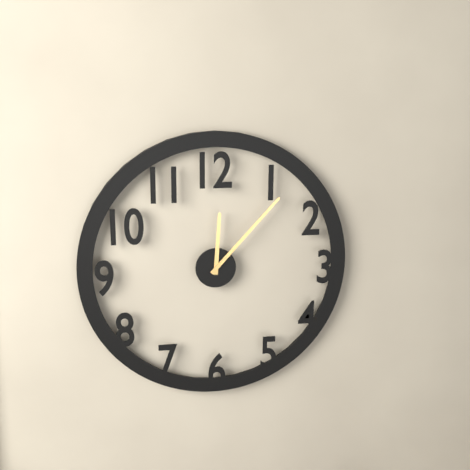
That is h=12 m=7
